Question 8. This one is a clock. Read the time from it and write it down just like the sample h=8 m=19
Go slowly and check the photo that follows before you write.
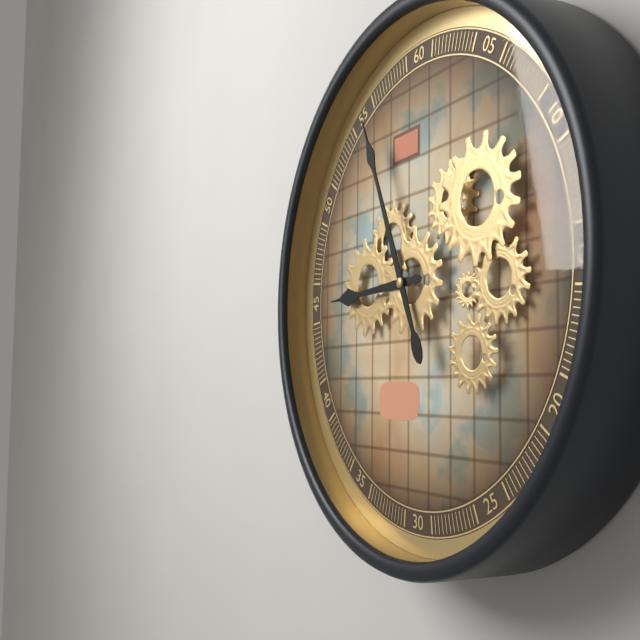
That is h=8 m=56
